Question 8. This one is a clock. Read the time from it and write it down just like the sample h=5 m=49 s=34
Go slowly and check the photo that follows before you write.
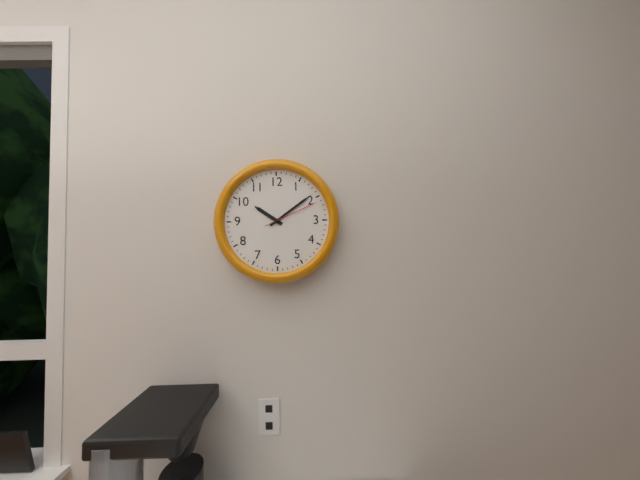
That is h=10 m=9 s=11
